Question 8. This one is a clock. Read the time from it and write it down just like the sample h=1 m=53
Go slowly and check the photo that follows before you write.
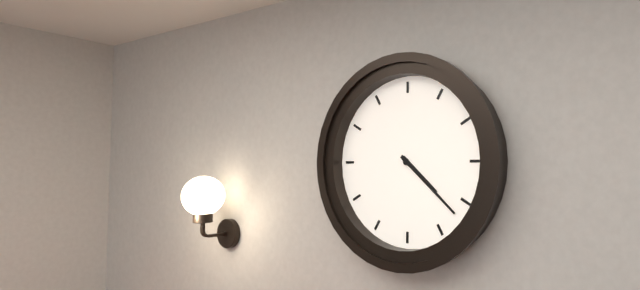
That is h=4 m=22
